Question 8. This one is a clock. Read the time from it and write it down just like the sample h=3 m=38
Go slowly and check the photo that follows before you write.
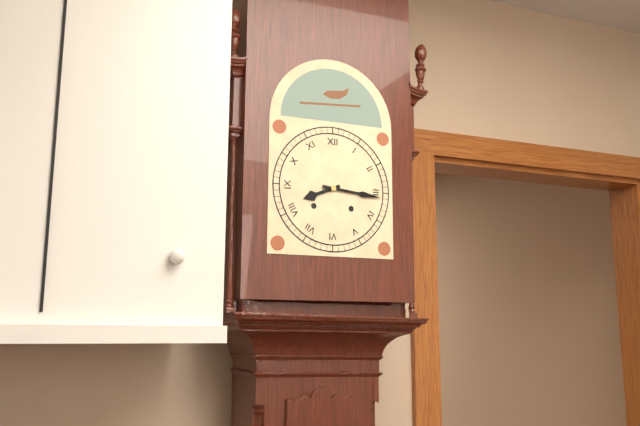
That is h=8 m=16
